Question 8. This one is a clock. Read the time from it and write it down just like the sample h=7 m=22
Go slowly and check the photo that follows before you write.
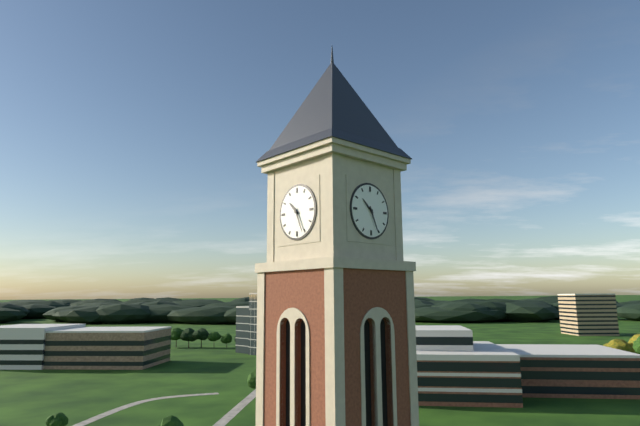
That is h=10 m=26
